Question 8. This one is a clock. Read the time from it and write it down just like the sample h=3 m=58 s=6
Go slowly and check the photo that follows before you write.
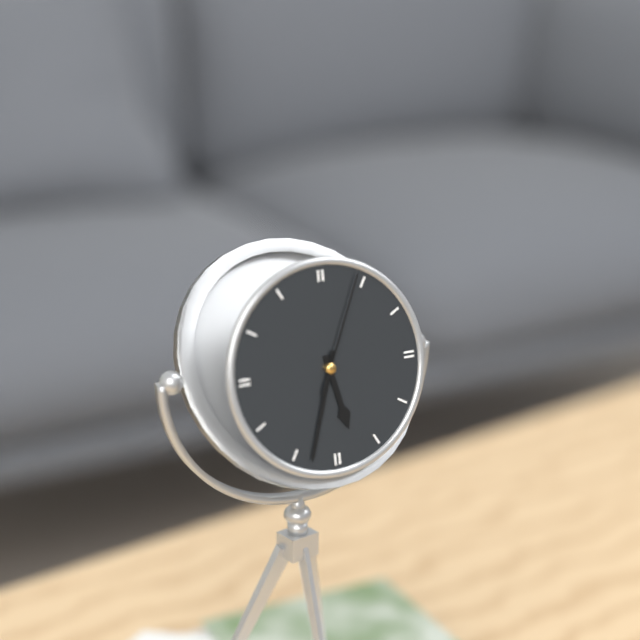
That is h=5 m=33 s=4
